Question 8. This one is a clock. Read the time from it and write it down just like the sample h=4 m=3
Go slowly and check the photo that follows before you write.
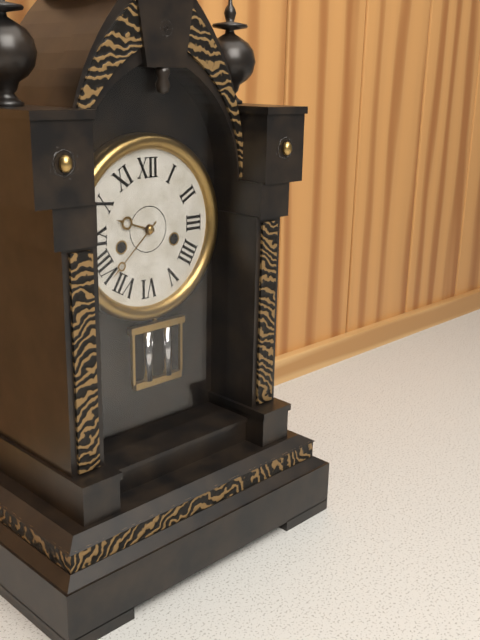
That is h=9 m=38
